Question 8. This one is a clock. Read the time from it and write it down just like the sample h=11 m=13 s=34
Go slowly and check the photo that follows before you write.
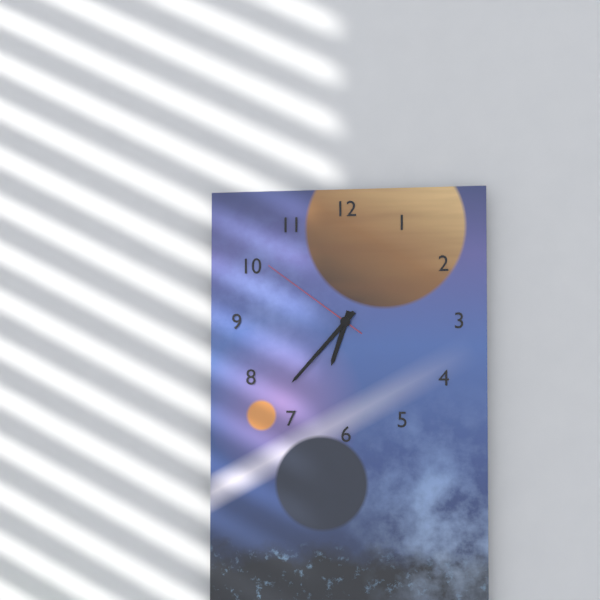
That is h=6 m=37 s=51
